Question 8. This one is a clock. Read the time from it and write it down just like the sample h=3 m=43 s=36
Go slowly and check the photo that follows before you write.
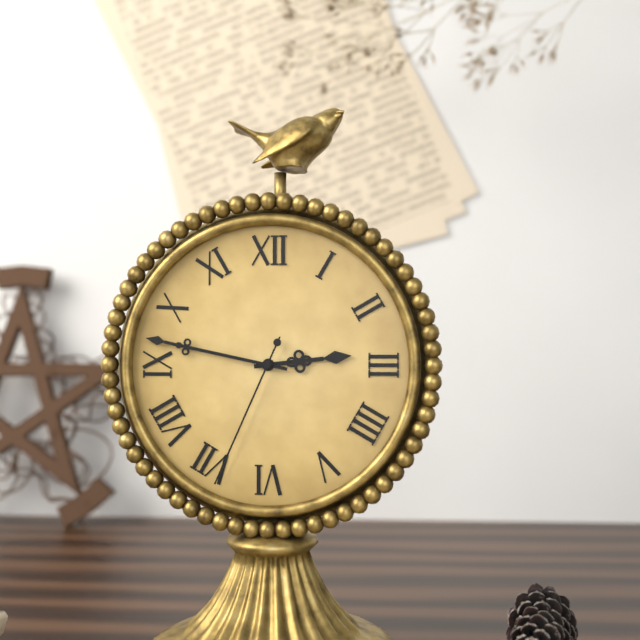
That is h=2 m=47 s=34
